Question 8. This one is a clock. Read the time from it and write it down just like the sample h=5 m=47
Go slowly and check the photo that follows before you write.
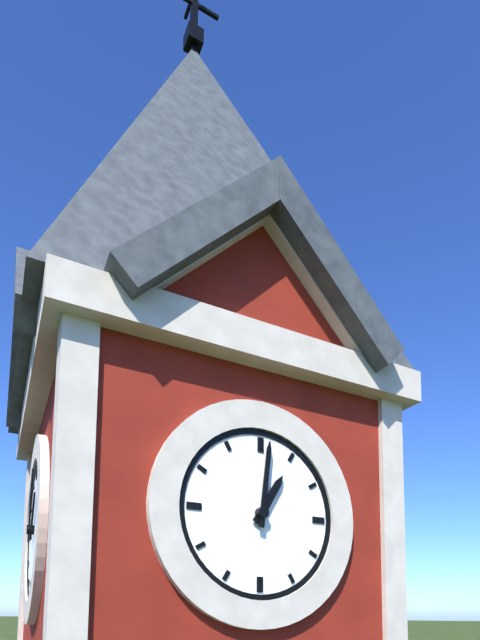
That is h=1 m=1
